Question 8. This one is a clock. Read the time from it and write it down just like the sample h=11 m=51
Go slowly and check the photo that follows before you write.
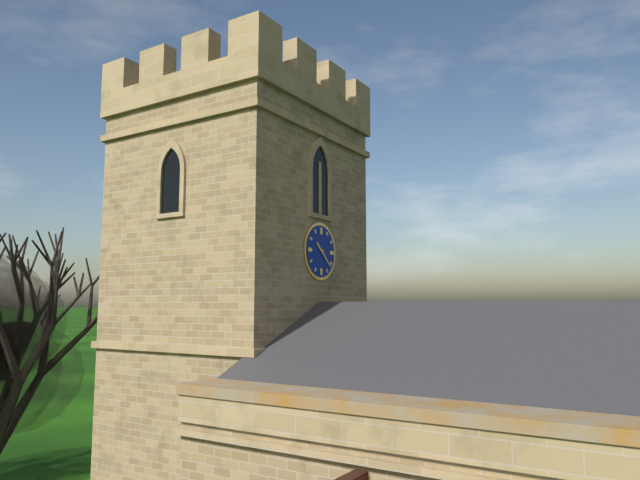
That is h=10 m=22
